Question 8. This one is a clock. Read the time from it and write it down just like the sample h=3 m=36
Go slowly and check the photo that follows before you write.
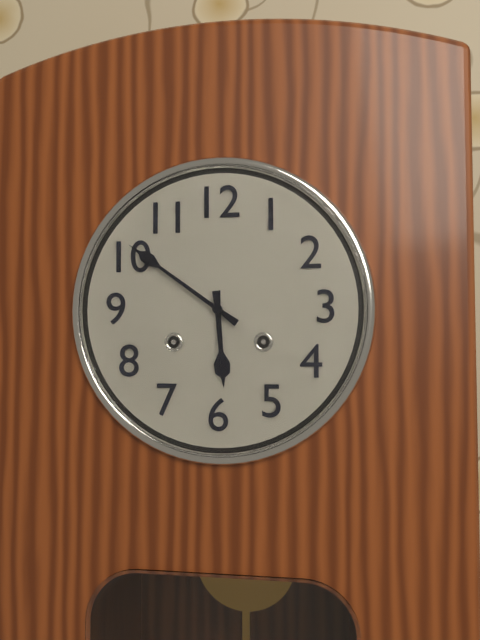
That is h=5 m=51
